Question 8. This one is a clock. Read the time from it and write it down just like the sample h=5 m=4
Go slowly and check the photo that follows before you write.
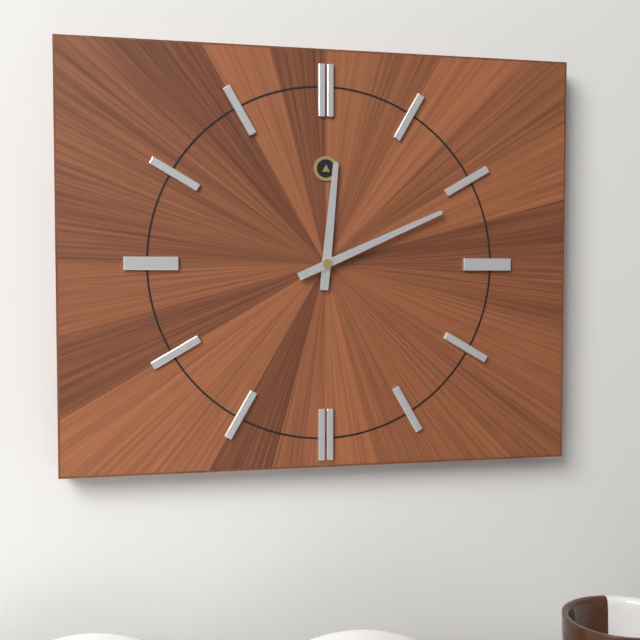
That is h=12 m=11
